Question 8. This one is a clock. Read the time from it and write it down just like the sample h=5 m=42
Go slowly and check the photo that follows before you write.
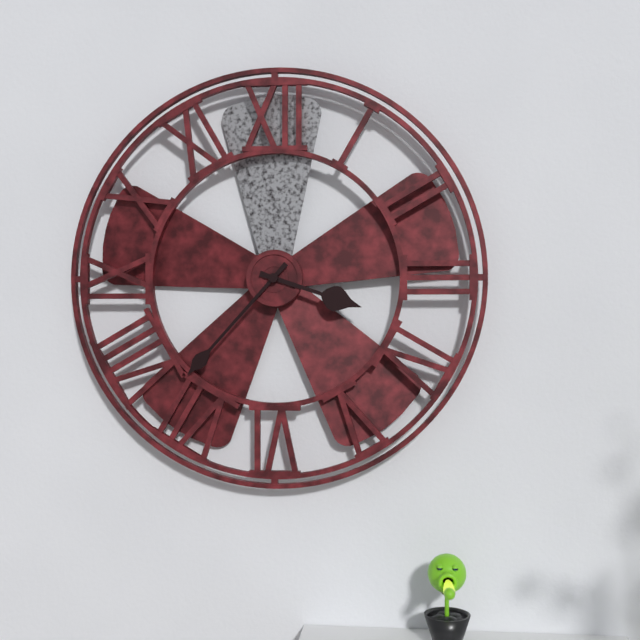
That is h=3 m=37
